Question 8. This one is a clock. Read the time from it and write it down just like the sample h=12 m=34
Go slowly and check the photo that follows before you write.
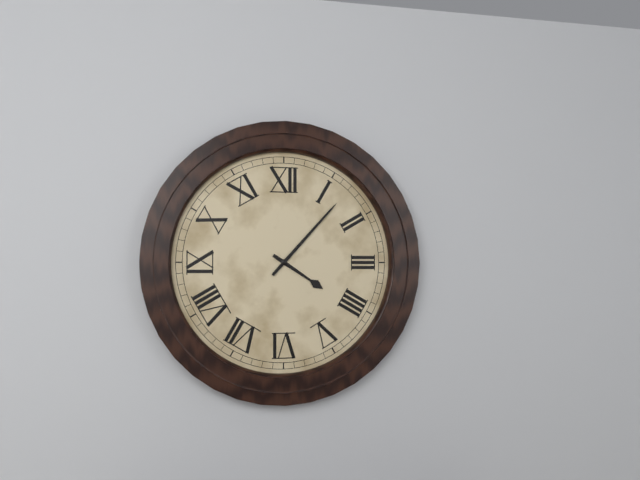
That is h=4 m=7
